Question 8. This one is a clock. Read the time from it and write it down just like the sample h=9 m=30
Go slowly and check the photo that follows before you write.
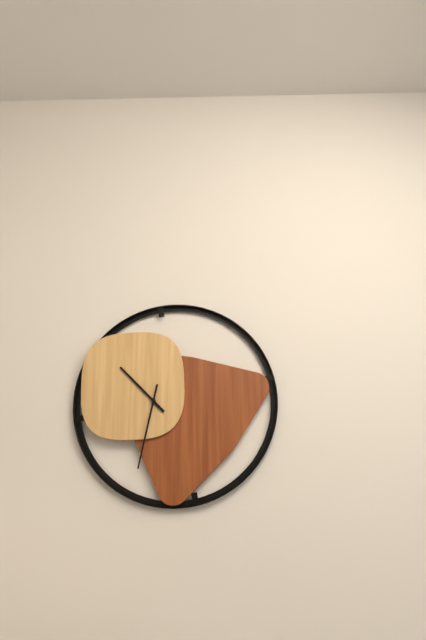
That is h=10 m=32
